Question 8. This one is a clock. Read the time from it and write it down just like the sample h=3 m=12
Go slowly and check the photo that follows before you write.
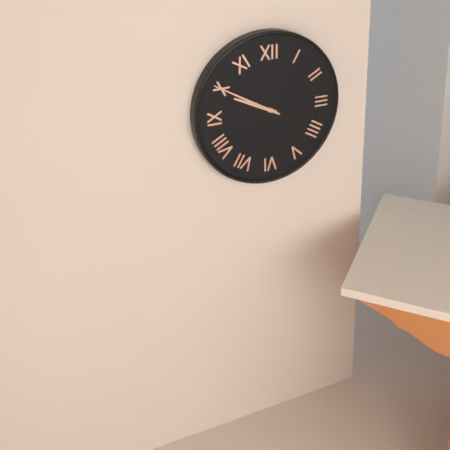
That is h=9 m=50
